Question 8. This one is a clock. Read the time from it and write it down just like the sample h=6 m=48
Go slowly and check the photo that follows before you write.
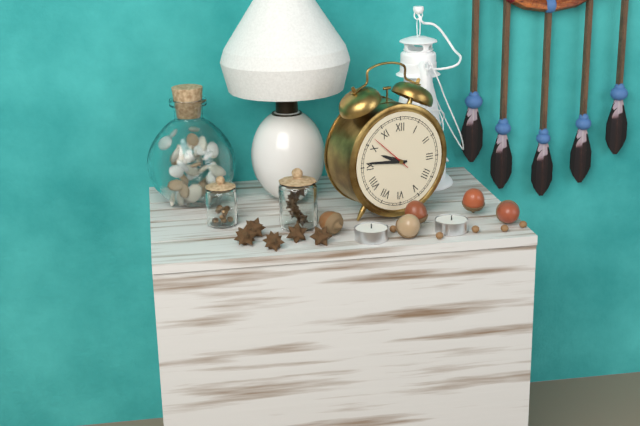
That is h=9 m=46
